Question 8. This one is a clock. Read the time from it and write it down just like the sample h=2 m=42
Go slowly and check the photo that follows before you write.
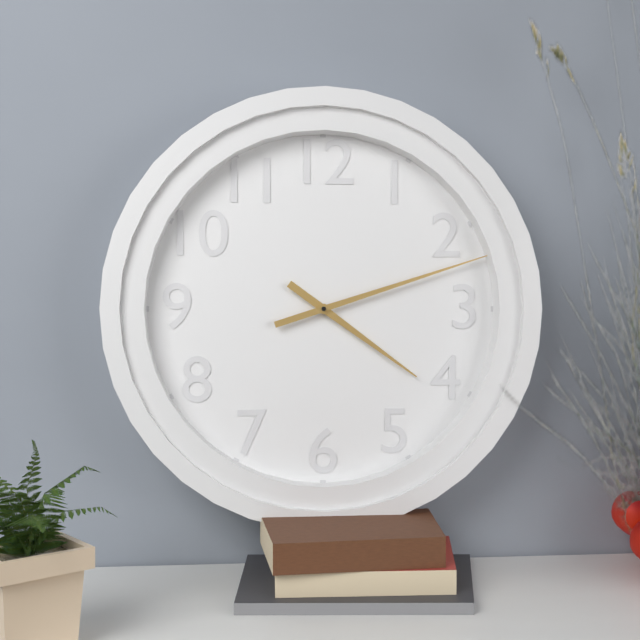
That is h=4 m=12
